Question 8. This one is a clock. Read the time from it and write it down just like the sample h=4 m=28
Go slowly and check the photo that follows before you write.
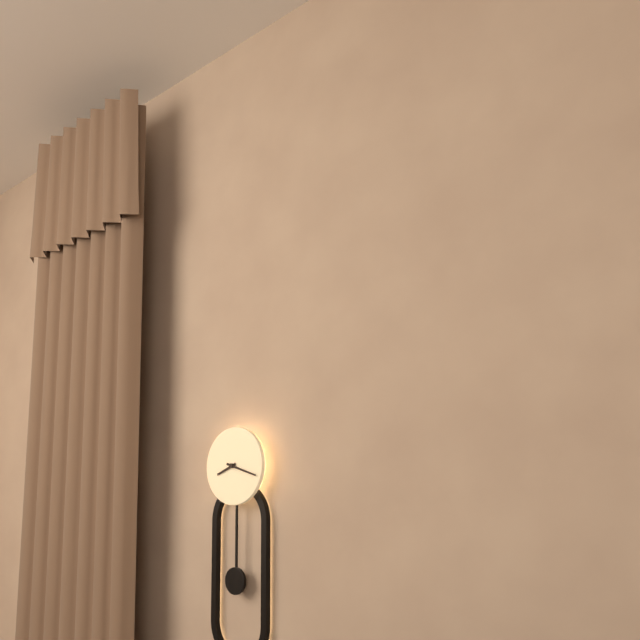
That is h=8 m=18
